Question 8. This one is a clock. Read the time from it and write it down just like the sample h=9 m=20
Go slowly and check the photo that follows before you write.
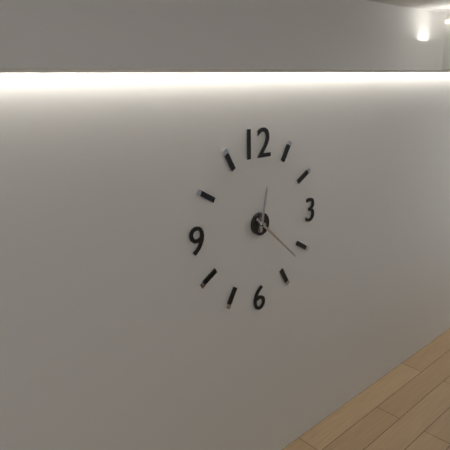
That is h=12 m=22
